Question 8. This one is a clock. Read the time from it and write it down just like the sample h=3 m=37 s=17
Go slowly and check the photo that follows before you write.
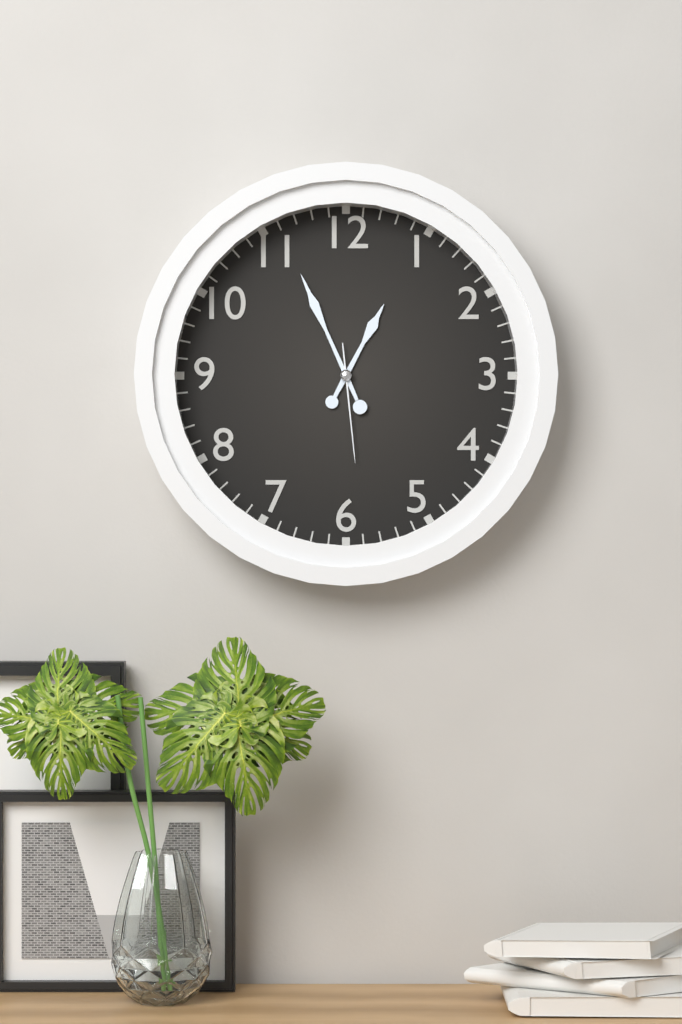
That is h=12 m=56 s=29
